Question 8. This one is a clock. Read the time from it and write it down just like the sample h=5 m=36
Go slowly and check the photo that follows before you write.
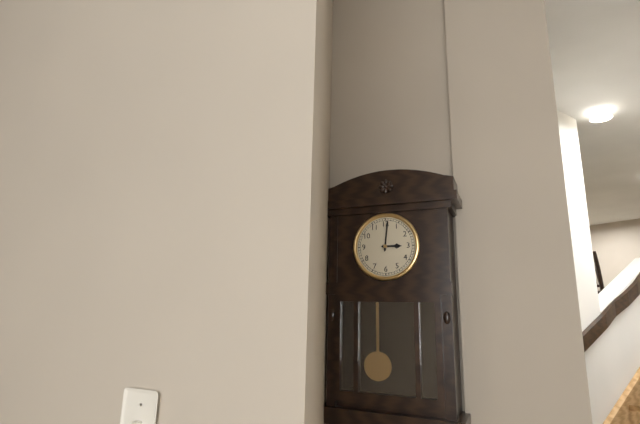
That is h=3 m=1
